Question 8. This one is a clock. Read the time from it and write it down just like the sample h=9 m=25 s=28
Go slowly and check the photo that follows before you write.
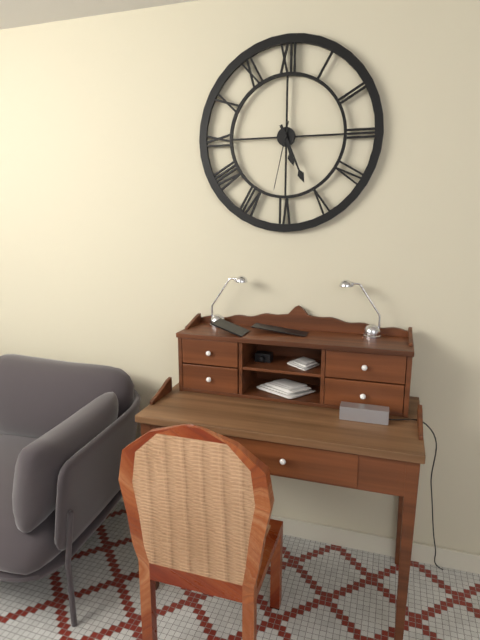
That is h=5 m=26 s=32
